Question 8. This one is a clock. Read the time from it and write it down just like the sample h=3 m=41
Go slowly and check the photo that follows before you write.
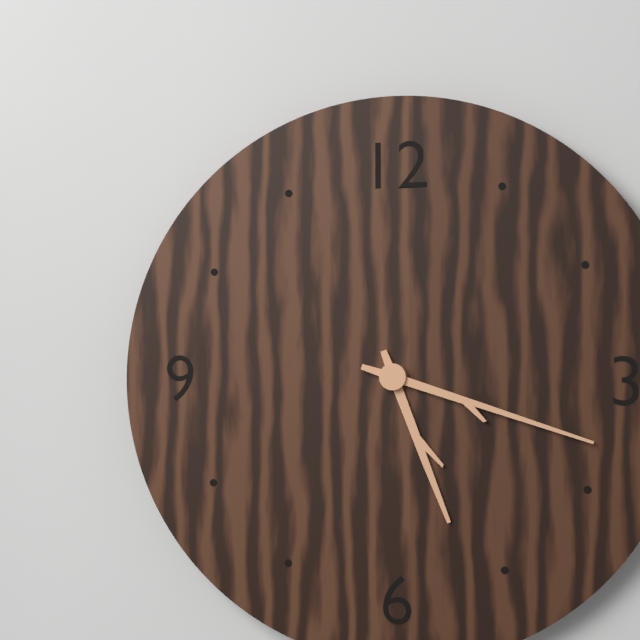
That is h=5 m=18
